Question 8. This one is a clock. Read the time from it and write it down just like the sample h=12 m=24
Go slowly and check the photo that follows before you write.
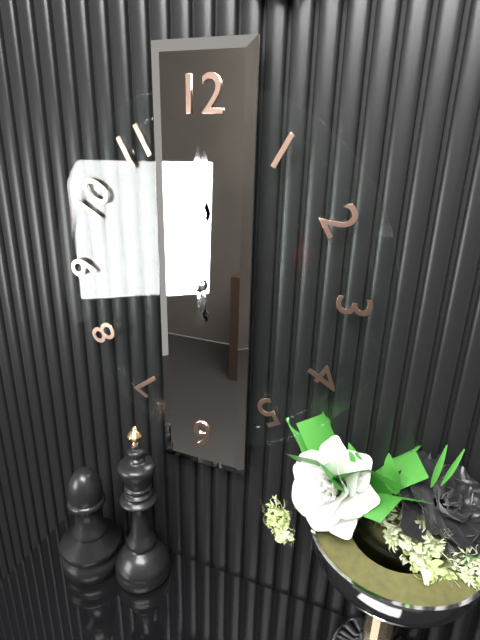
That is h=12 m=0
